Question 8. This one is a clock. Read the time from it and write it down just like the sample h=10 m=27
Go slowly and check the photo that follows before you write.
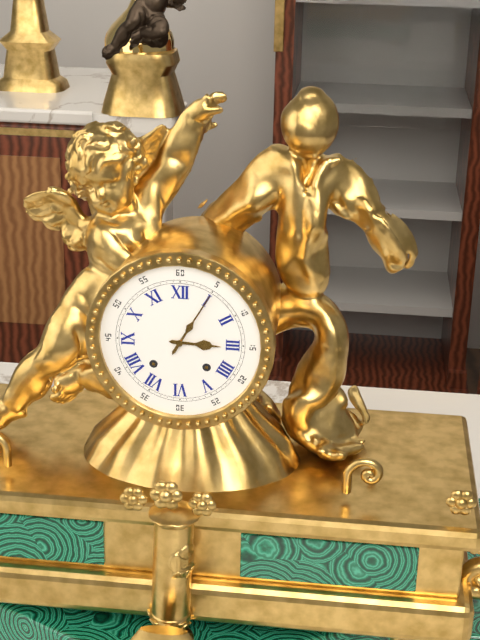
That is h=3 m=5
